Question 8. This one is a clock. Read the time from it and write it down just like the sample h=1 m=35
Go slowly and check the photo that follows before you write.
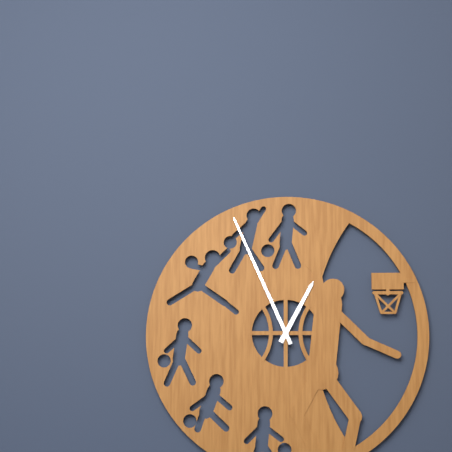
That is h=12 m=56
